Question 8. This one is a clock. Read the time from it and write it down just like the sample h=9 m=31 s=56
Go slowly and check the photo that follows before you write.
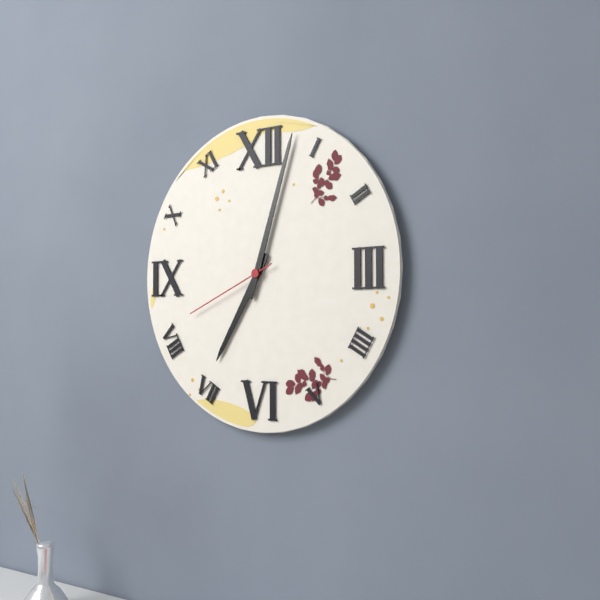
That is h=7 m=3 s=41
